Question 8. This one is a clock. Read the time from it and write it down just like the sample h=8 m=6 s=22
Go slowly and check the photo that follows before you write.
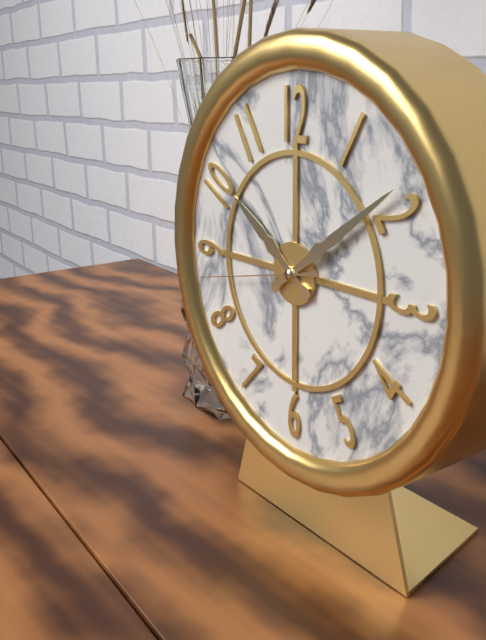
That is h=10 m=9 s=43
